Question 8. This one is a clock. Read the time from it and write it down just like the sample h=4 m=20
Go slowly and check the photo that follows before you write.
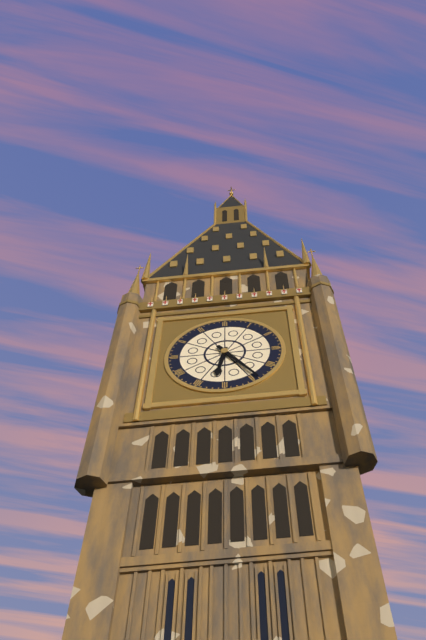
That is h=6 m=24
